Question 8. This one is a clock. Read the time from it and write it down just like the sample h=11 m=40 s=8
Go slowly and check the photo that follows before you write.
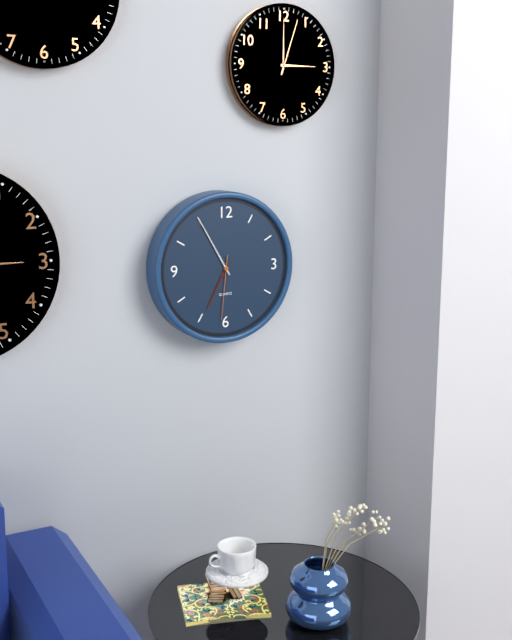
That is h=6 m=55 s=31
